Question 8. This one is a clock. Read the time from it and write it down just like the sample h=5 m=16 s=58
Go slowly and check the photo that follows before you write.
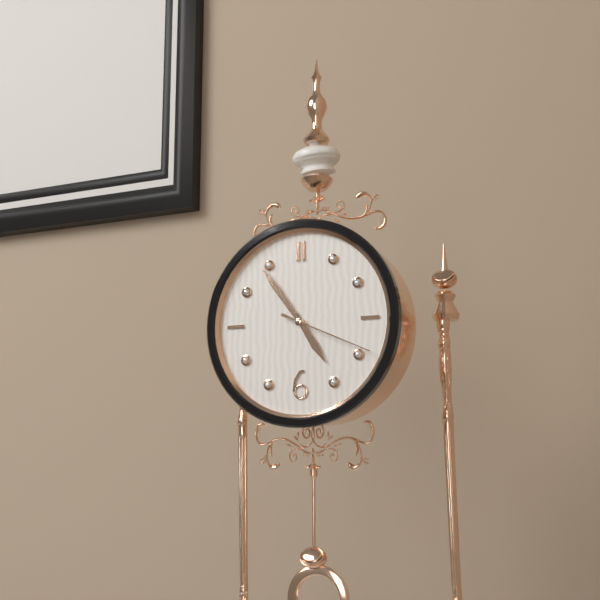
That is h=4 m=54 s=19
